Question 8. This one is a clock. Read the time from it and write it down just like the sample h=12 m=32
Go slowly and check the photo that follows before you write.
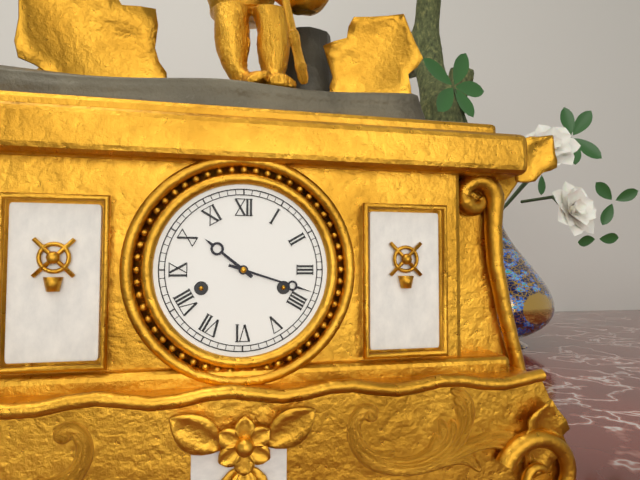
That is h=10 m=18
